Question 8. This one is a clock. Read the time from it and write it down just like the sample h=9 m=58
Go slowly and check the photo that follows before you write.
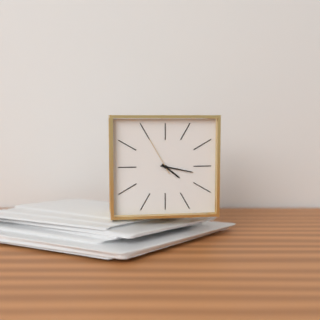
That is h=4 m=17
